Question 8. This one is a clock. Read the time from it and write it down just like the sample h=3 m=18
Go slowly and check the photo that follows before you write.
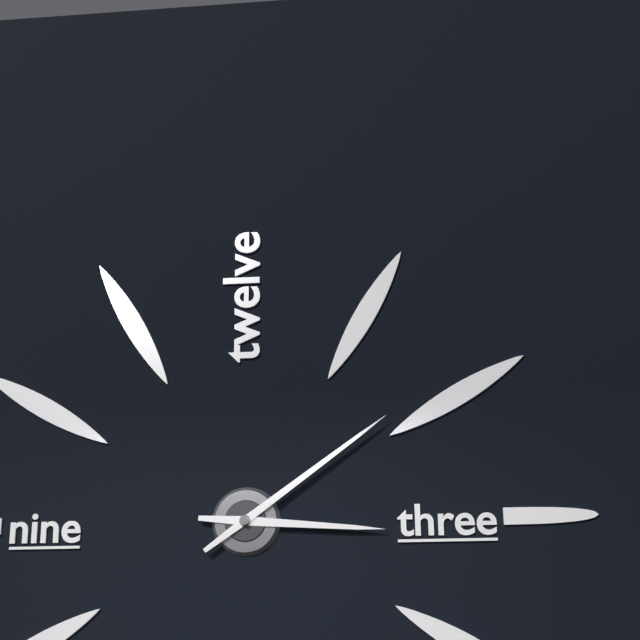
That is h=3 m=9
